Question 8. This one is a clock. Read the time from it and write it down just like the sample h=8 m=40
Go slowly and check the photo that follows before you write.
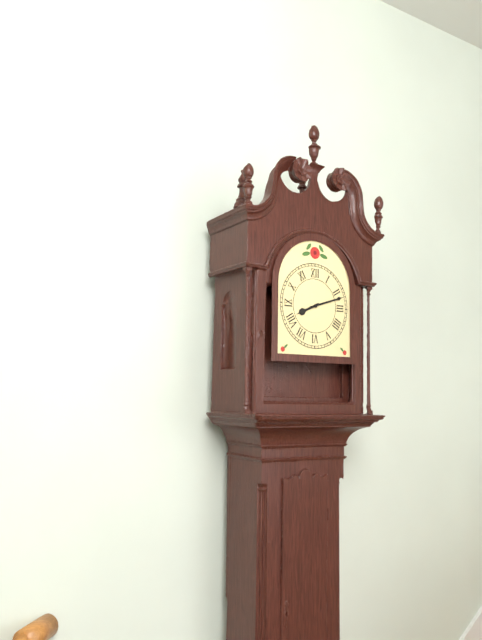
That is h=8 m=12
